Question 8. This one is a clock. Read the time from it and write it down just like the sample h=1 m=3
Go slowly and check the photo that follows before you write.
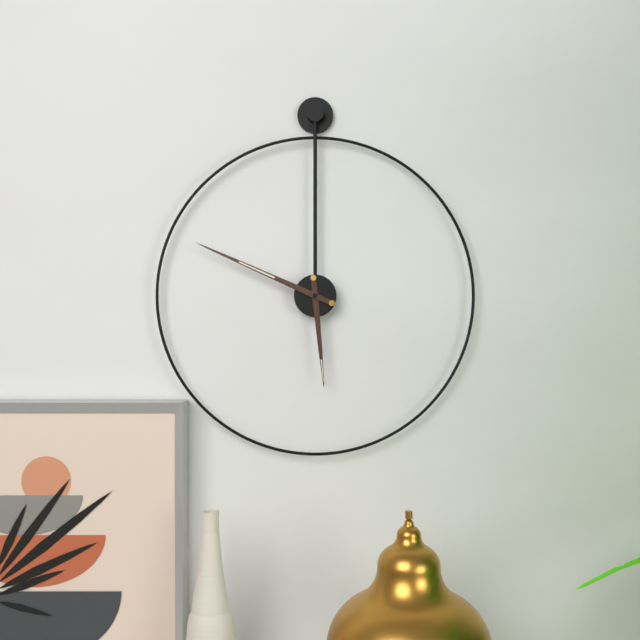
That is h=5 m=49
